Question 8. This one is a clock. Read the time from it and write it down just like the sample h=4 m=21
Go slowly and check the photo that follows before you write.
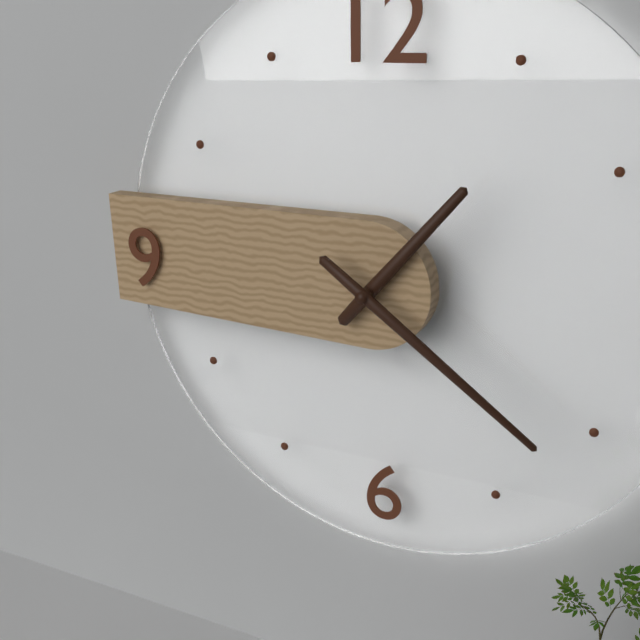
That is h=1 m=21
